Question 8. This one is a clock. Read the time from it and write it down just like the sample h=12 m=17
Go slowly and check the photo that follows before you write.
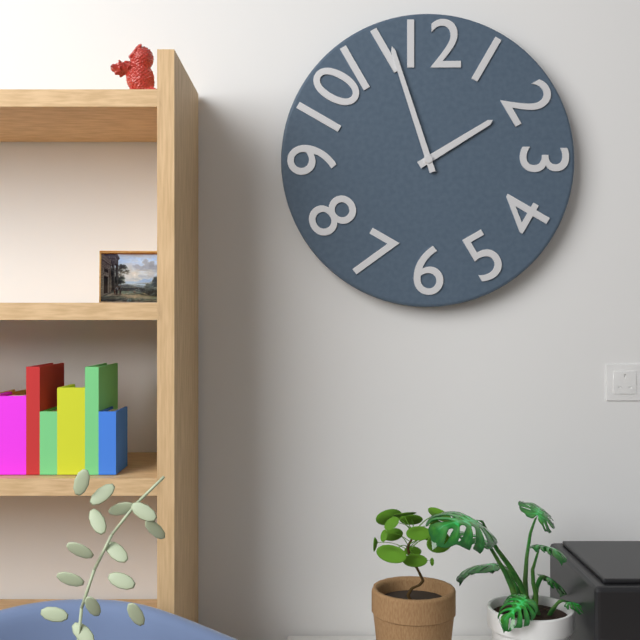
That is h=1 m=57
